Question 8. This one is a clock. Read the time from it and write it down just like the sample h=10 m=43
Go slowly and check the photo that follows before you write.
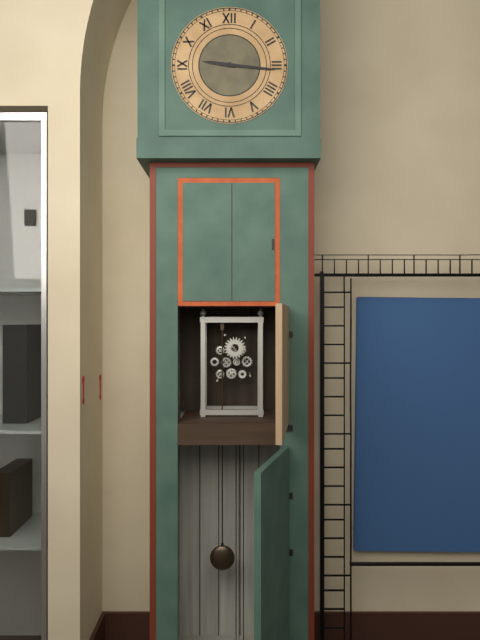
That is h=9 m=16
